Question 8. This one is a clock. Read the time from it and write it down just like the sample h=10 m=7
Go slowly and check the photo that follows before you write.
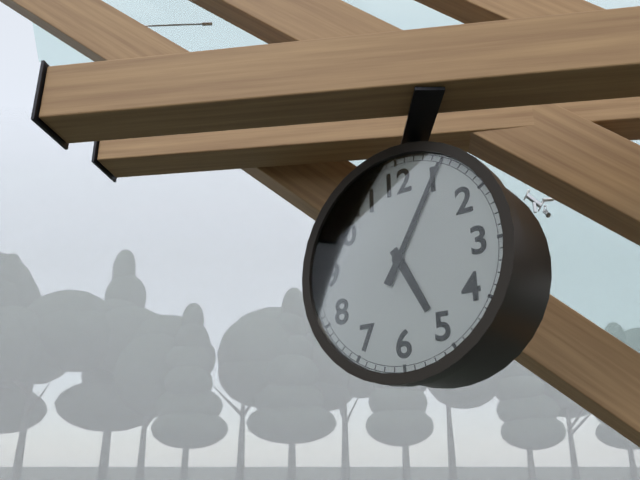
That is h=5 m=5
